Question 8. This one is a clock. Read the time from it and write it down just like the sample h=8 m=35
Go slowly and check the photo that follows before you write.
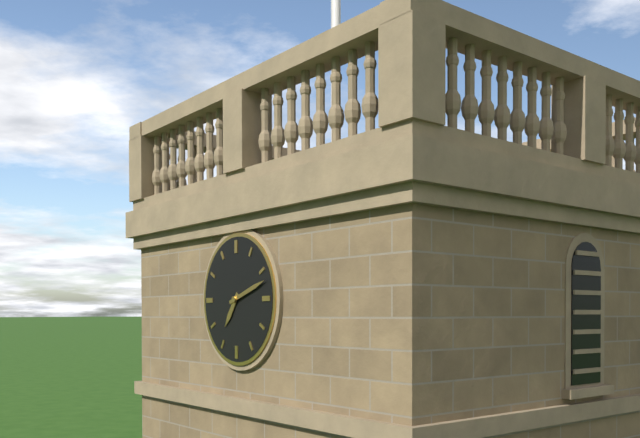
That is h=7 m=12
